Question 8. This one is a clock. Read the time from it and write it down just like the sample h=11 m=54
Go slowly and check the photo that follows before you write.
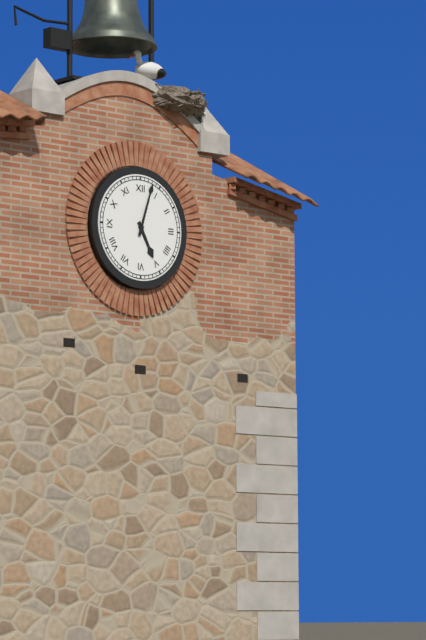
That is h=5 m=3
